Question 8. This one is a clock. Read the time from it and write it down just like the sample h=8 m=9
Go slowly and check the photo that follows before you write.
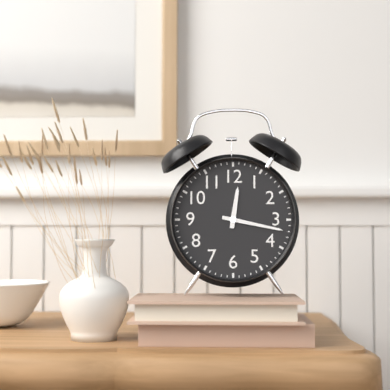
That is h=12 m=17
